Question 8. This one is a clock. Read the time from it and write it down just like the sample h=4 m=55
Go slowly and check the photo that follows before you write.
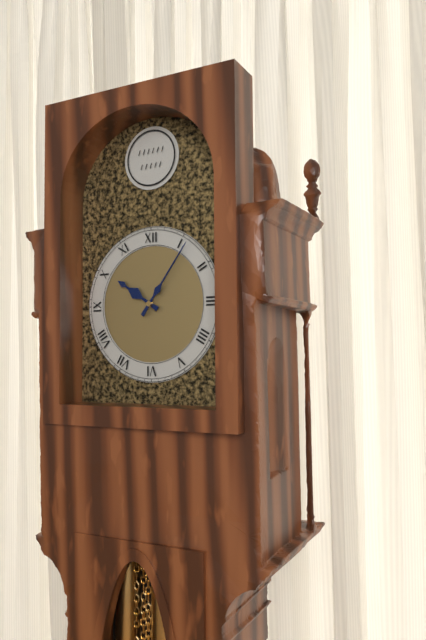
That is h=10 m=6
